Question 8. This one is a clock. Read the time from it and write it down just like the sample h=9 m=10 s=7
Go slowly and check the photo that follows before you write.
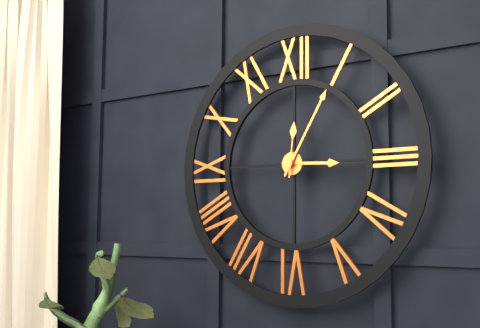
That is h=3 m=5 s=1
